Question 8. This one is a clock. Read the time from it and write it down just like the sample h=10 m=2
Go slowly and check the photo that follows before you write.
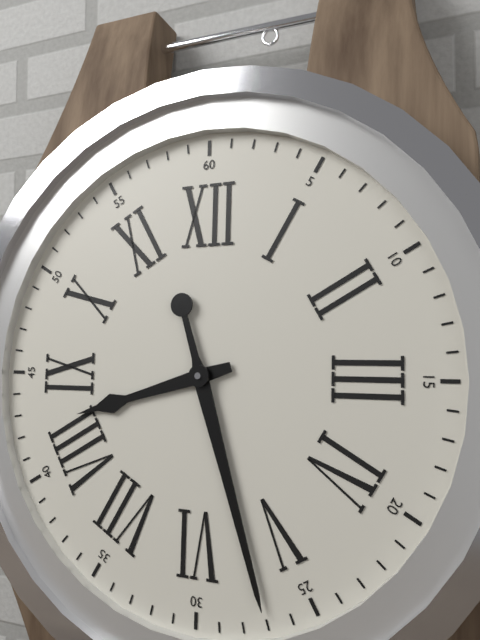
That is h=8 m=27
